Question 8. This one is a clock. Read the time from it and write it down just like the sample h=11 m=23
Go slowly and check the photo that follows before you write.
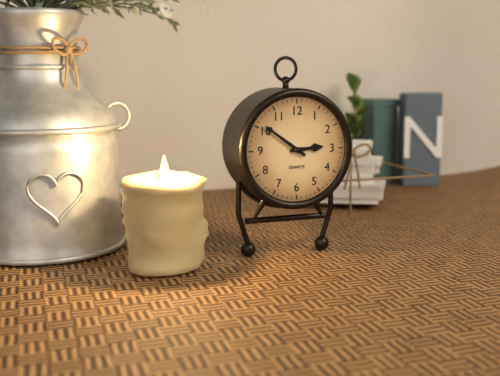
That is h=2 m=51
